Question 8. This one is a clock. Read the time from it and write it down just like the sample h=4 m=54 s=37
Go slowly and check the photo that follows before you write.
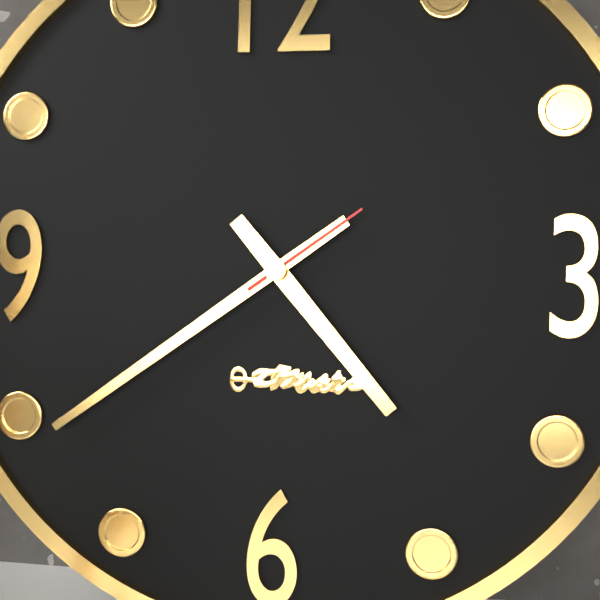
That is h=4 m=39 s=9
